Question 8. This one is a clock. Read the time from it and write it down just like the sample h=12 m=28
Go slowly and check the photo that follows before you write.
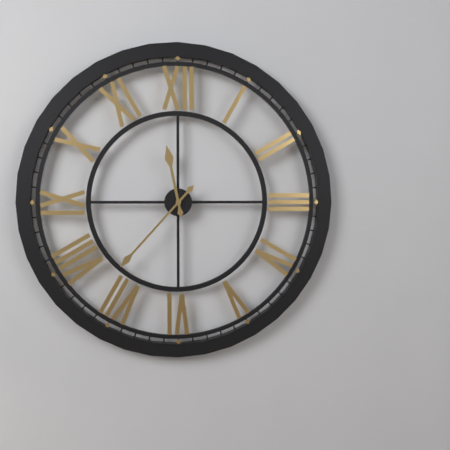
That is h=11 m=37
